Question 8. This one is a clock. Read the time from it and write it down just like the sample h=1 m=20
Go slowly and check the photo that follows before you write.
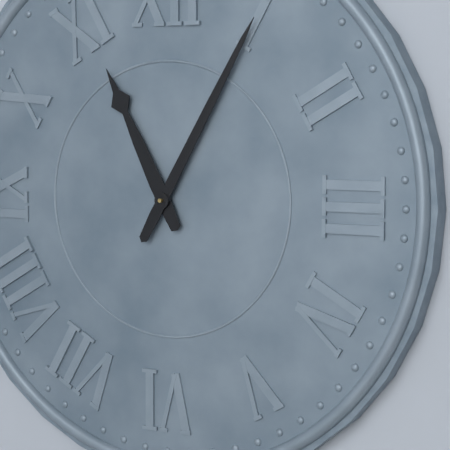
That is h=11 m=5
